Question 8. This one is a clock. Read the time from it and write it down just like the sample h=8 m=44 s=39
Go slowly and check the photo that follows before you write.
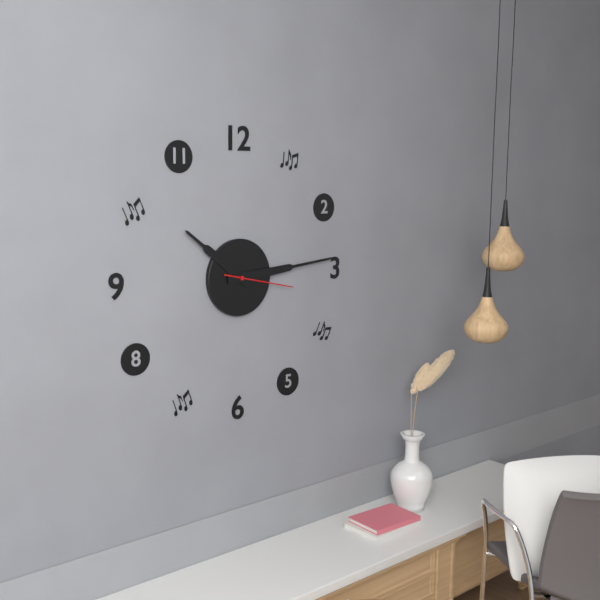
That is h=10 m=14 s=17
